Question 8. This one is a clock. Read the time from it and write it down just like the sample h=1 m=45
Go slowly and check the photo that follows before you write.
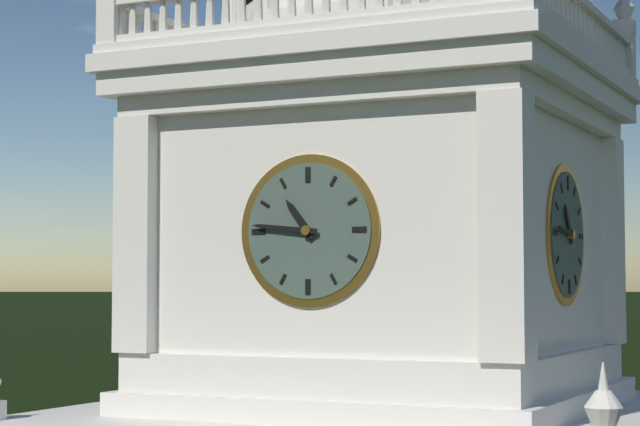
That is h=10 m=46
